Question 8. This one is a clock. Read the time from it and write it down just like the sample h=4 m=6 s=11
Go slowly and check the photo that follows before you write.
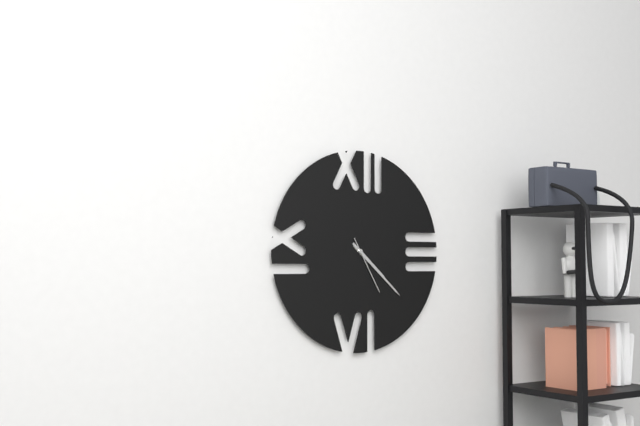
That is h=4 m=22 s=25
